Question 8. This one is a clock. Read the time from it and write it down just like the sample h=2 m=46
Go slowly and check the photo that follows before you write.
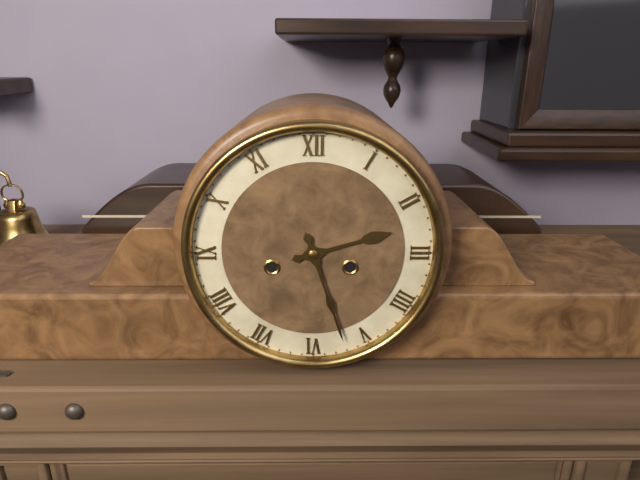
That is h=2 m=27
